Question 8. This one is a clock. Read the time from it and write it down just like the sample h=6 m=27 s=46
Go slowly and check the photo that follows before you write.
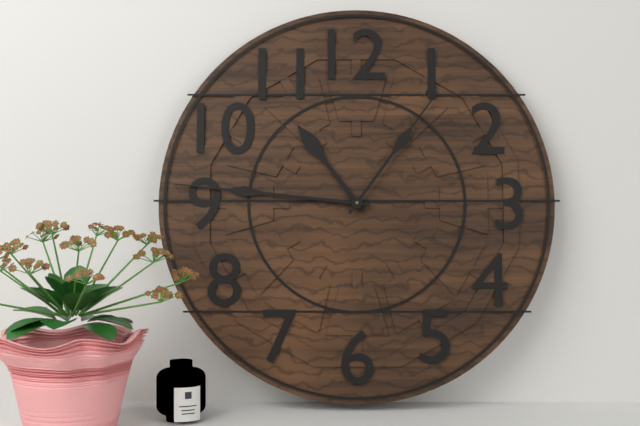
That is h=10 m=46 s=6
